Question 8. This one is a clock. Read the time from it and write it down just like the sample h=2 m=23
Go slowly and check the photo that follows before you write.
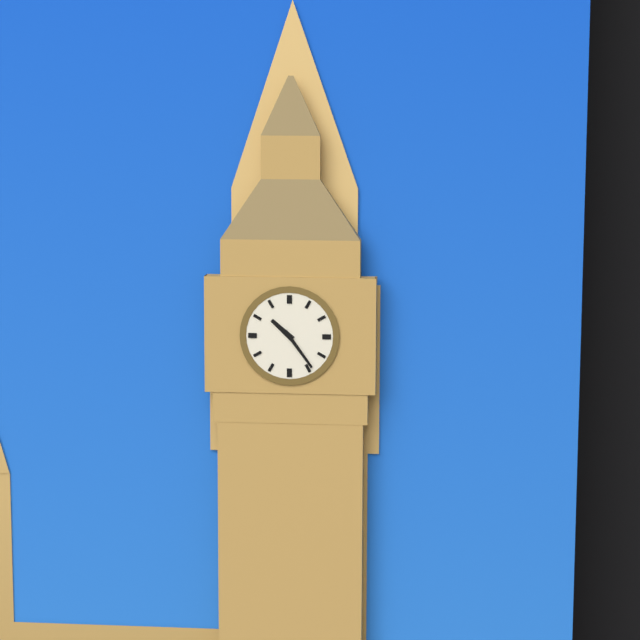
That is h=10 m=24
